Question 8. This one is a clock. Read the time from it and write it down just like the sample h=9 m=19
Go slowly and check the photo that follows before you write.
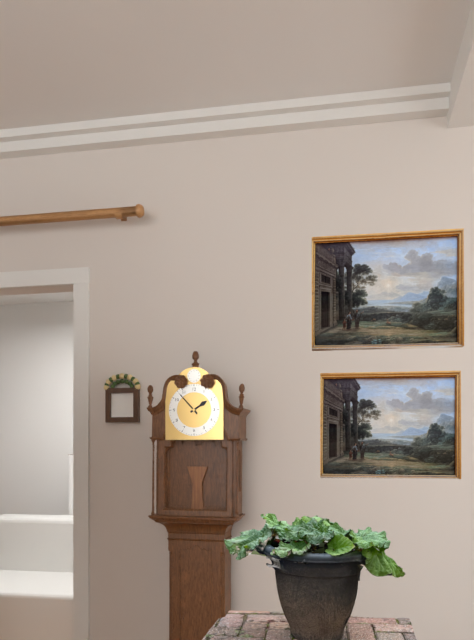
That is h=1 m=53
